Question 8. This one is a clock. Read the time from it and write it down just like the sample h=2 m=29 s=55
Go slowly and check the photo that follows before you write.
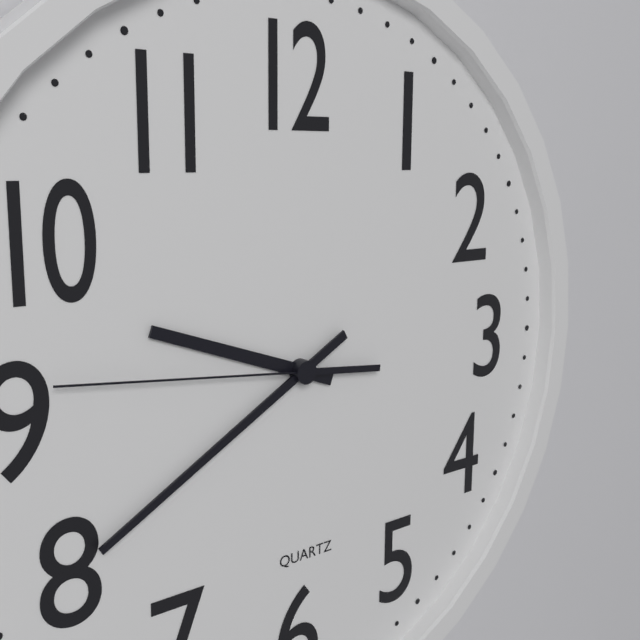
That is h=9 m=40 s=46
